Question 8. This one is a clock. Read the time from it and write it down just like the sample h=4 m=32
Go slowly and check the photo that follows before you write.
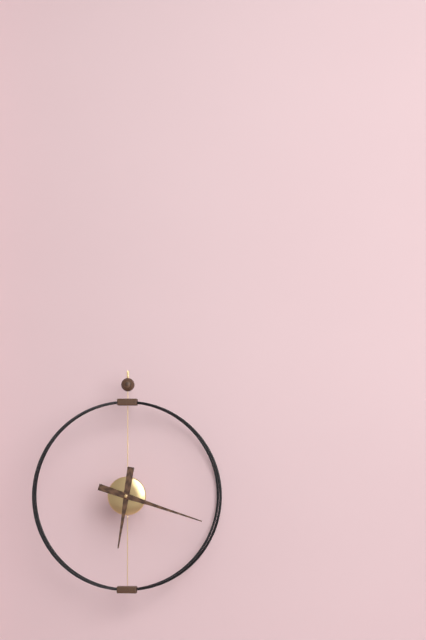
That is h=6 m=18
